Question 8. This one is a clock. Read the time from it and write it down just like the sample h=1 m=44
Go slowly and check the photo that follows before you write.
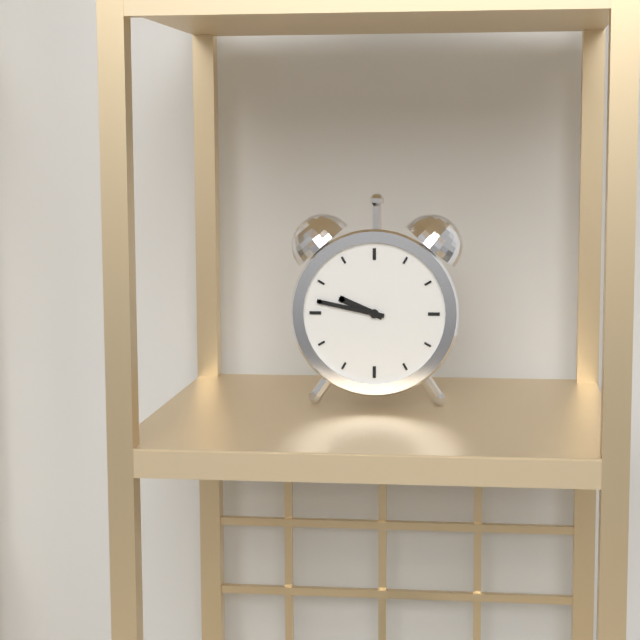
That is h=9 m=47
